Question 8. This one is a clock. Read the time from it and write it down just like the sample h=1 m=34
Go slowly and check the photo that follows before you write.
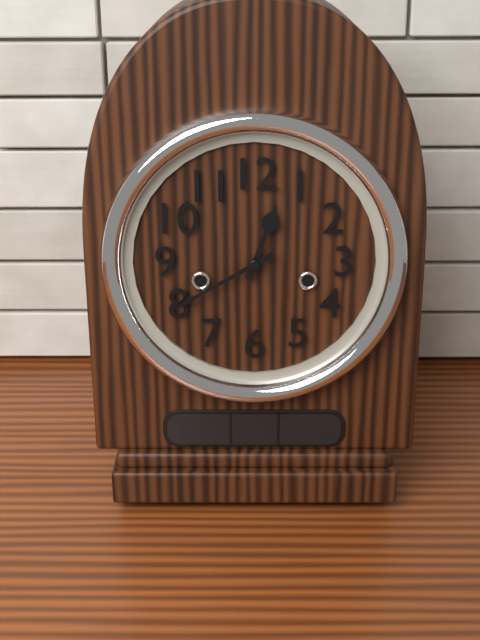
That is h=12 m=40
